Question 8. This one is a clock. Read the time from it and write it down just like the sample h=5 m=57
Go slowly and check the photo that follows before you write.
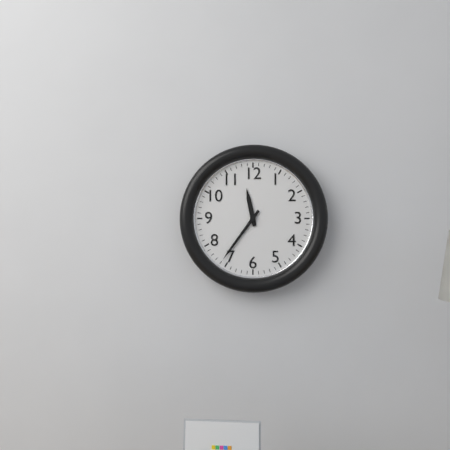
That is h=11 m=36
